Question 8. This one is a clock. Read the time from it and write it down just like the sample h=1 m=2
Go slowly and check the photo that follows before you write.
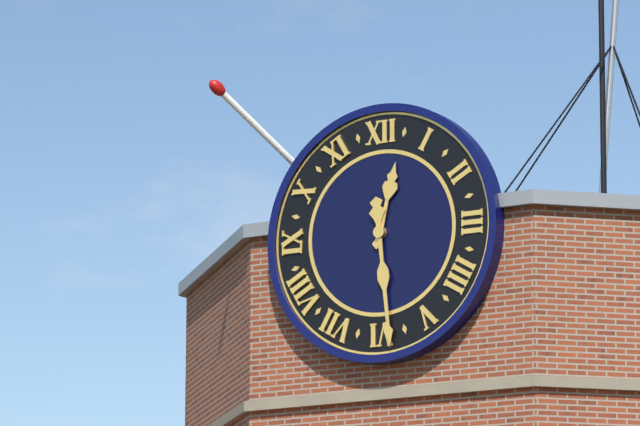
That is h=12 m=29
